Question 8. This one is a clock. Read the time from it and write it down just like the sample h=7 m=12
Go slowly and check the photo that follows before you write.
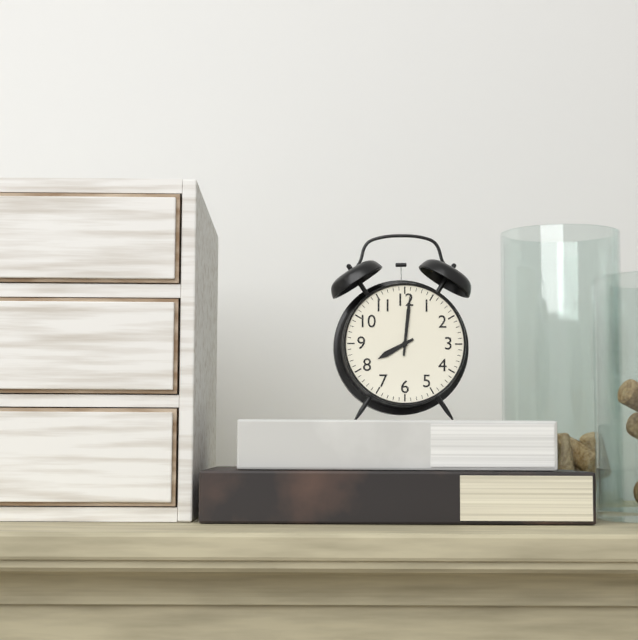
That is h=8 m=1
